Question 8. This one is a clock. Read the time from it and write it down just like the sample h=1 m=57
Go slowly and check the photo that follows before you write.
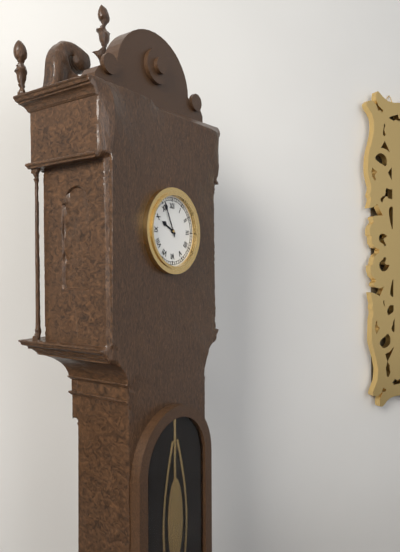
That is h=9 m=56
